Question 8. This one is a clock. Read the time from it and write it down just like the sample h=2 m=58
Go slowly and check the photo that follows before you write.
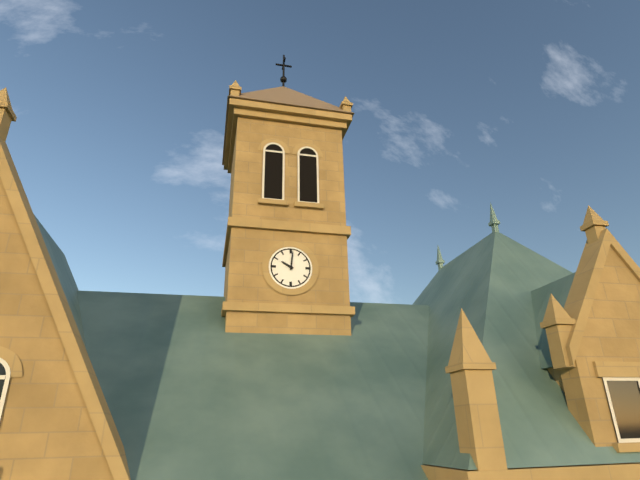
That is h=10 m=1
